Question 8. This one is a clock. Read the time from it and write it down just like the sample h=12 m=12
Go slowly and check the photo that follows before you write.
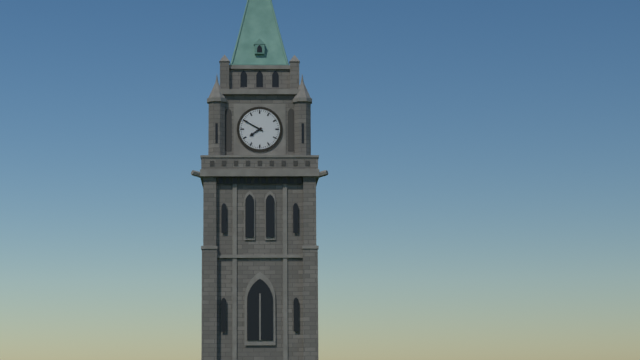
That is h=7 m=50
